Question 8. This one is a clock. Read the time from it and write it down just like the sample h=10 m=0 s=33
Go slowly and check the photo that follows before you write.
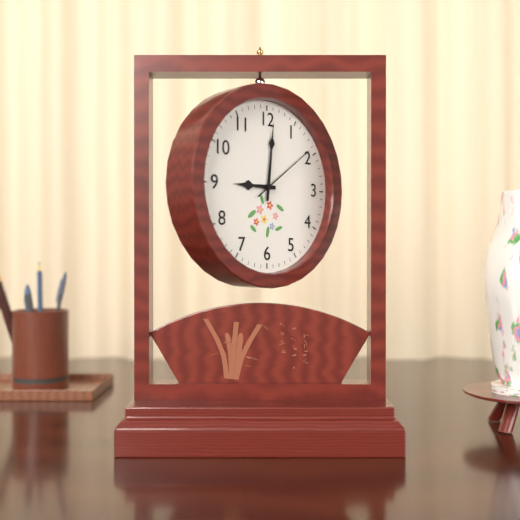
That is h=9 m=1 s=9
